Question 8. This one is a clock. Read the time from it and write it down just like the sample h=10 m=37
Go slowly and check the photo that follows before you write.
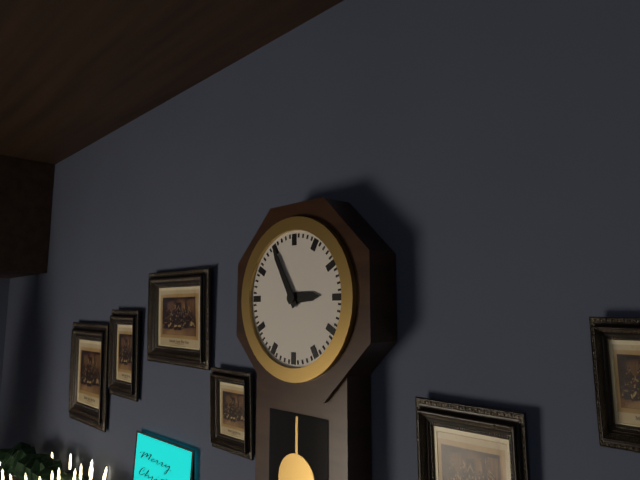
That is h=2 m=55
